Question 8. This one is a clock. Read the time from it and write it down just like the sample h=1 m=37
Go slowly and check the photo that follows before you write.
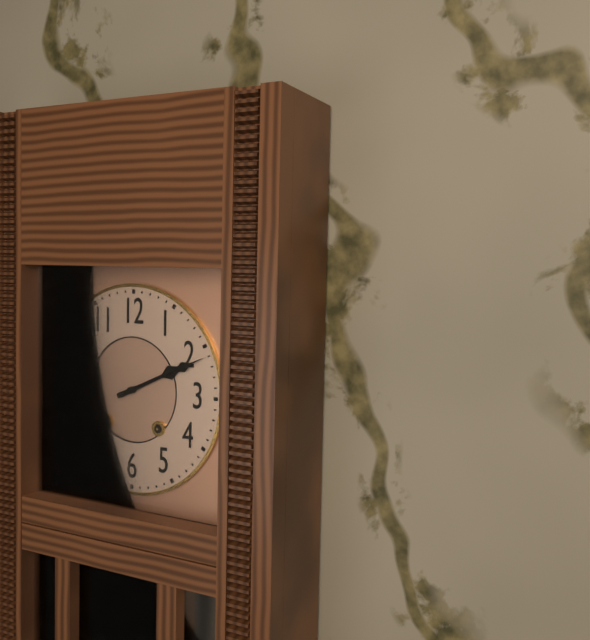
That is h=2 m=11
